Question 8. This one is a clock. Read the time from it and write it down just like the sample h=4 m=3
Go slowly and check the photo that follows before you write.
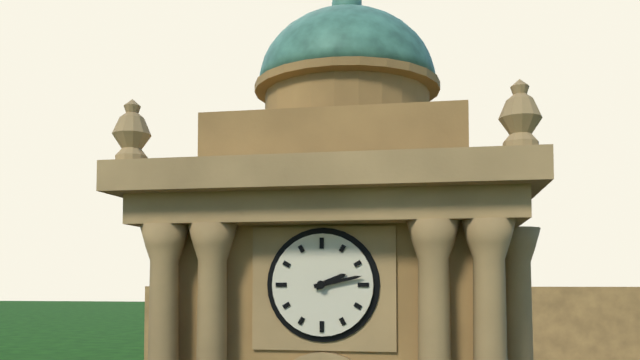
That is h=2 m=13
